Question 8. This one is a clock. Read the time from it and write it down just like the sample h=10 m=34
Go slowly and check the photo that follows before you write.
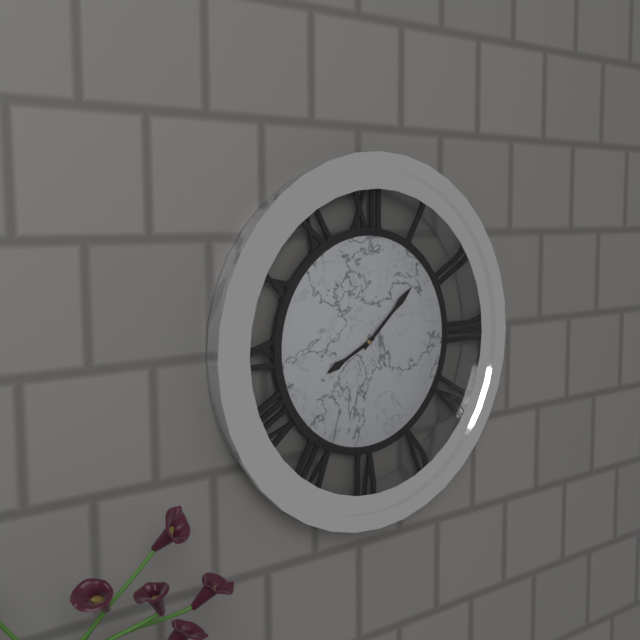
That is h=8 m=8
